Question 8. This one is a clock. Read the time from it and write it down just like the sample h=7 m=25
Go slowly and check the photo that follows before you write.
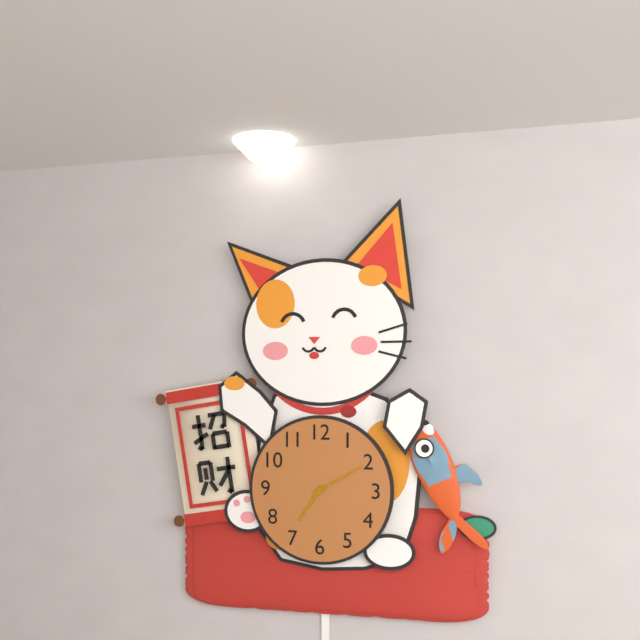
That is h=7 m=10
